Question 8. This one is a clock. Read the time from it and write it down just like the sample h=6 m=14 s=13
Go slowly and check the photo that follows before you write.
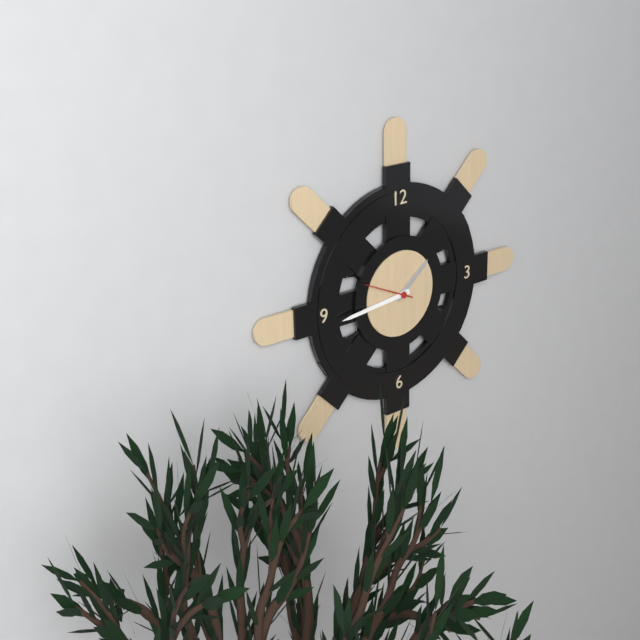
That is h=1 m=44 s=49
